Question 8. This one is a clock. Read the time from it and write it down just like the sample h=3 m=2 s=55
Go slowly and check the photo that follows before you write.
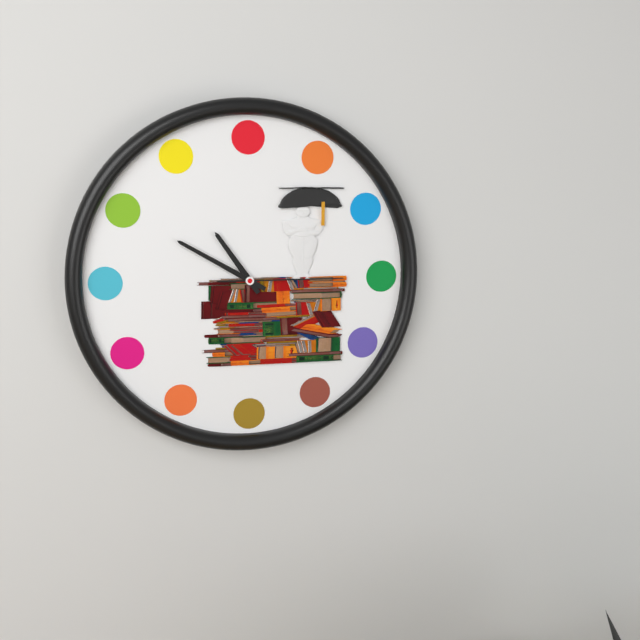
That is h=10 m=50 s=15
